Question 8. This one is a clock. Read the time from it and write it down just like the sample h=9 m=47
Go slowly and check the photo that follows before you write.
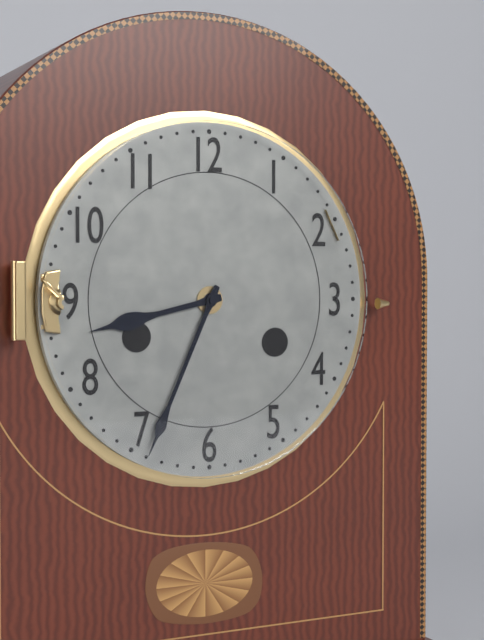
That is h=8 m=34
